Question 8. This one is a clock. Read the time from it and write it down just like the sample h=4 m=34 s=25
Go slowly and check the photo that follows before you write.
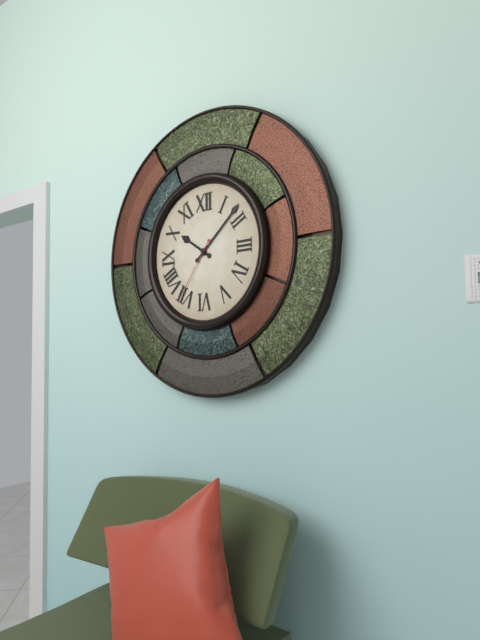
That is h=10 m=8 s=36
